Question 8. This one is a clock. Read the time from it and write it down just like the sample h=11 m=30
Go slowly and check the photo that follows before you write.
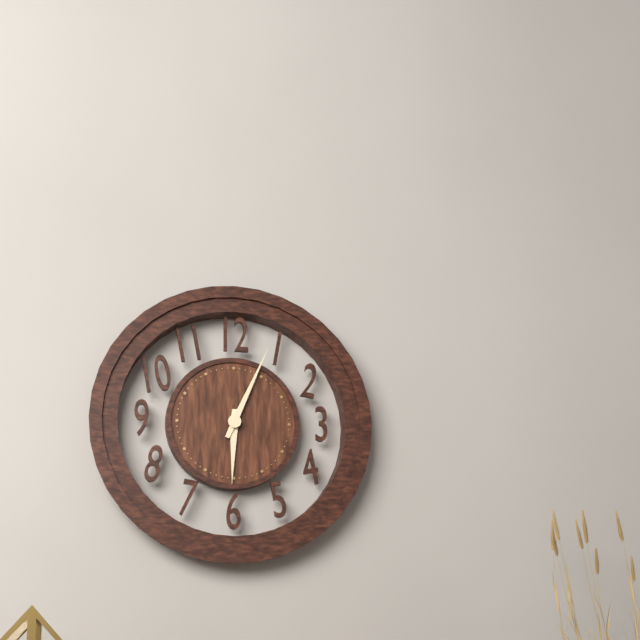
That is h=6 m=4
